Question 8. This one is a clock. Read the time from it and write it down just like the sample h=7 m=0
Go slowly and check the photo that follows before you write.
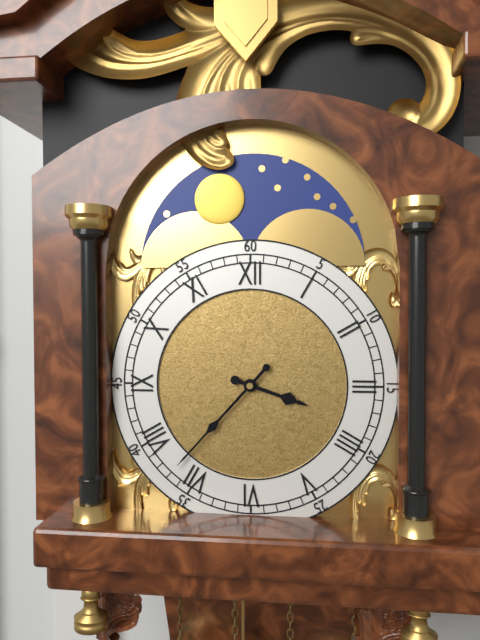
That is h=3 m=37
